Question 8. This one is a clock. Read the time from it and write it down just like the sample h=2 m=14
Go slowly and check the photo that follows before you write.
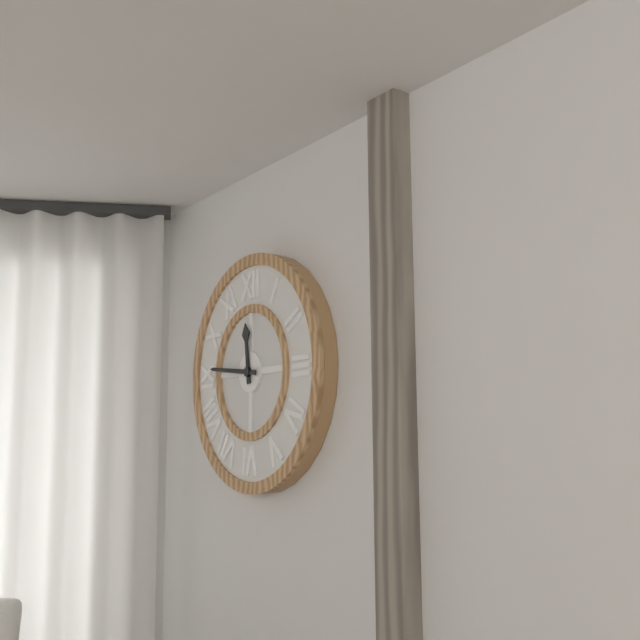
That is h=11 m=46
